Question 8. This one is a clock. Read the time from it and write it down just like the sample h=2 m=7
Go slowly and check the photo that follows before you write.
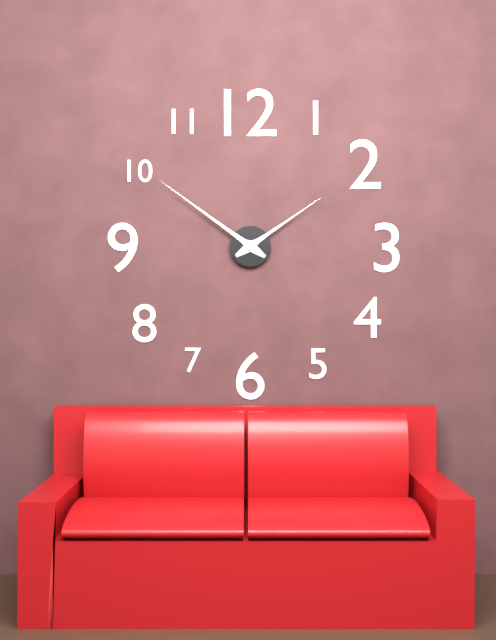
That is h=1 m=51
